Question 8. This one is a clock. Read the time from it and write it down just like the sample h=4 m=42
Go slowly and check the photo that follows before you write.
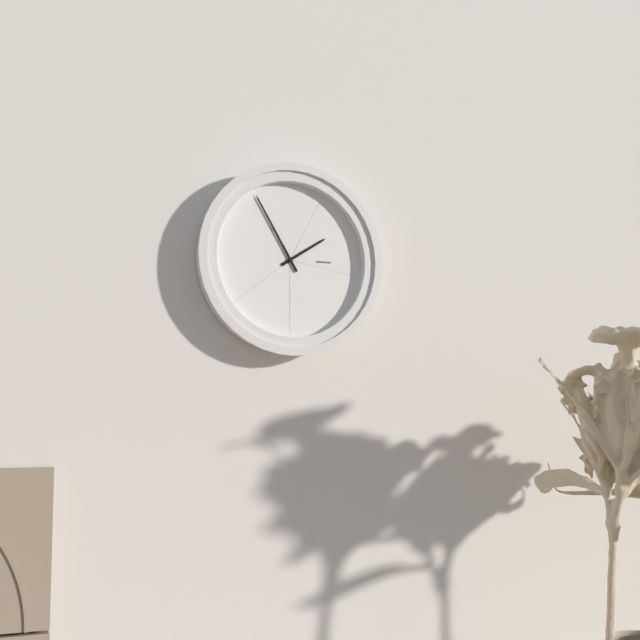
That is h=1 m=55
